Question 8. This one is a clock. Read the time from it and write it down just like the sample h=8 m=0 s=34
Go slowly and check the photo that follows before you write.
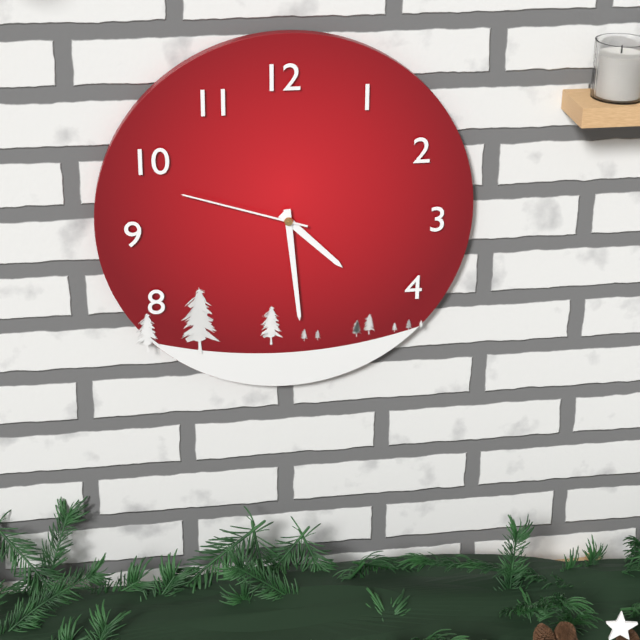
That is h=4 m=29 s=48
